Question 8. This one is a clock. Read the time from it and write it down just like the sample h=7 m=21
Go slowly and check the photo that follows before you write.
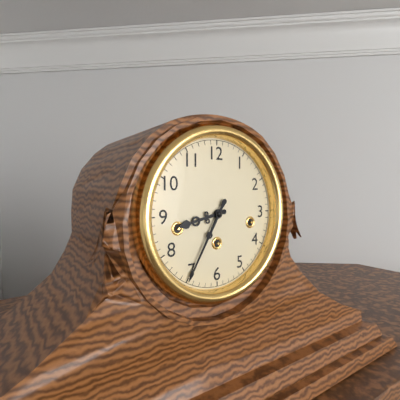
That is h=8 m=35
